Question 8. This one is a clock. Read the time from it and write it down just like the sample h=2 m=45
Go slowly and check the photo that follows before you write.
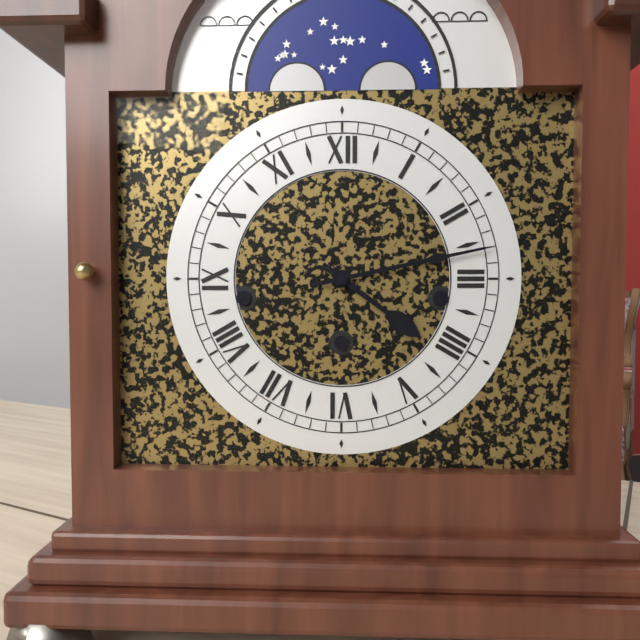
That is h=4 m=13
